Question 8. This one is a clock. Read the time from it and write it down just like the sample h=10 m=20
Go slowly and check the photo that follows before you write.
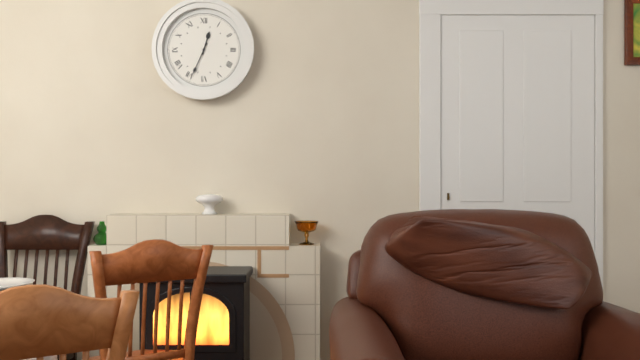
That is h=12 m=34
